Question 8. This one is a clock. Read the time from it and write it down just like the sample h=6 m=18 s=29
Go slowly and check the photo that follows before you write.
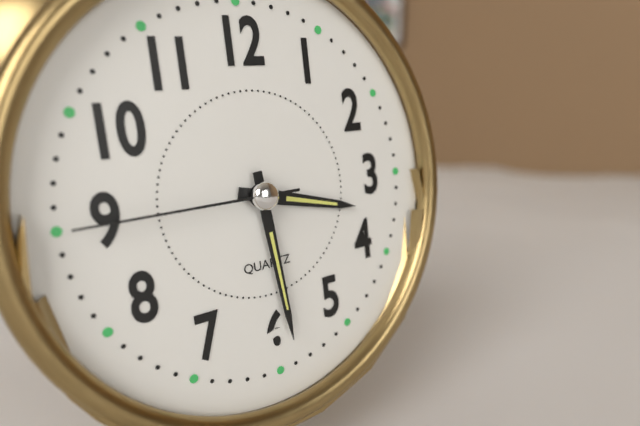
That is h=3 m=29 s=45
